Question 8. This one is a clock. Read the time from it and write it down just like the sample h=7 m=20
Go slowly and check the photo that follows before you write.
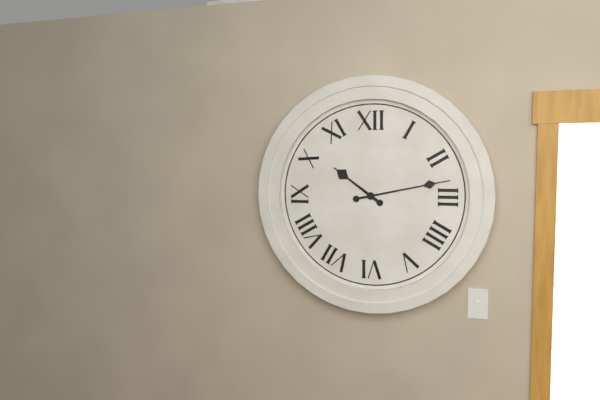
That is h=10 m=13
